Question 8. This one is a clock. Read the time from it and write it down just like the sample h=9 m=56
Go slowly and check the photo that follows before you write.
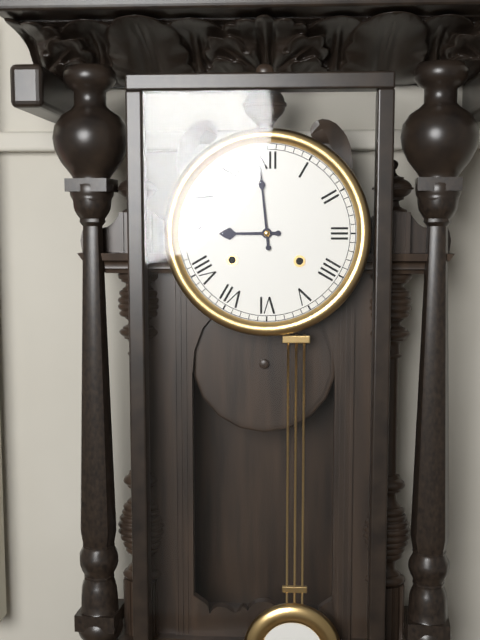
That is h=8 m=59
